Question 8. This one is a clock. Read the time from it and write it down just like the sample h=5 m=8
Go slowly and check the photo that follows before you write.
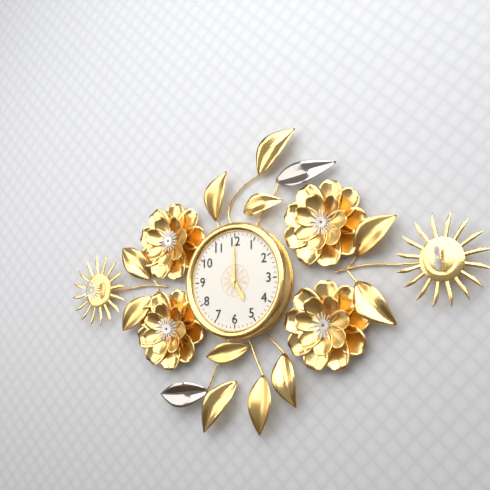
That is h=5 m=0
